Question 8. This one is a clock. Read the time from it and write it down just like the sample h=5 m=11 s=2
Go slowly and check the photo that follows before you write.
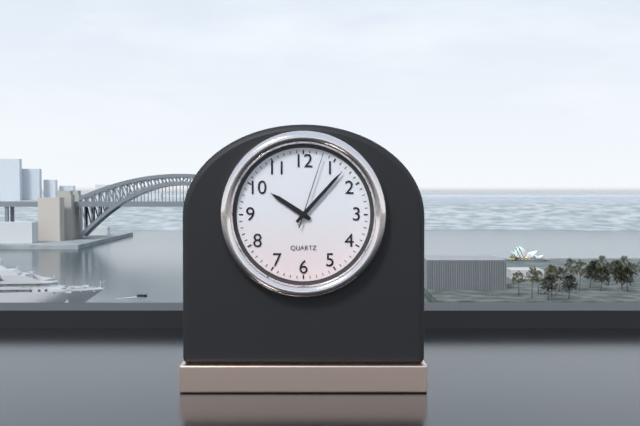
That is h=10 m=7 s=3
